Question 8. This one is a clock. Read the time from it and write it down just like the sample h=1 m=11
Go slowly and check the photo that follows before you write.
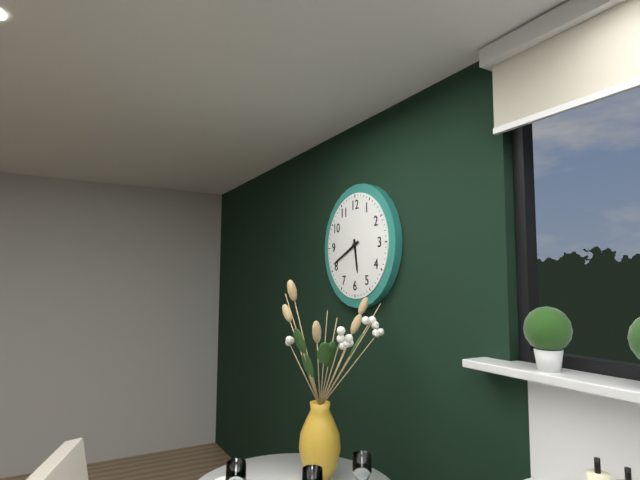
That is h=5 m=41
